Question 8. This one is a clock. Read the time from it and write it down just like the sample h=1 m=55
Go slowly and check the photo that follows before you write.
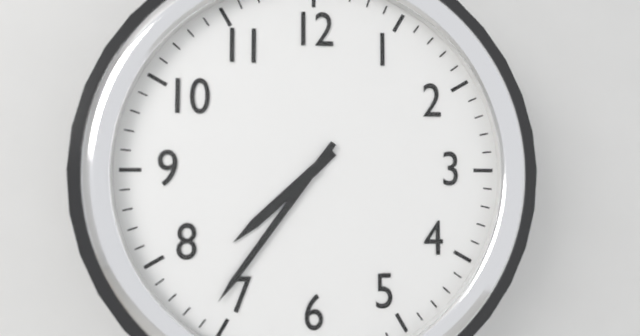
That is h=7 m=36
